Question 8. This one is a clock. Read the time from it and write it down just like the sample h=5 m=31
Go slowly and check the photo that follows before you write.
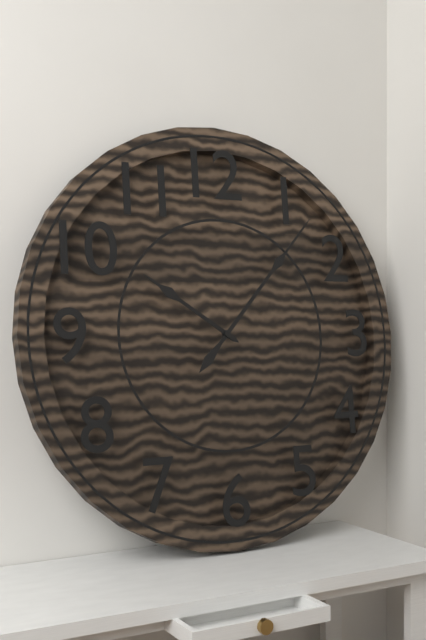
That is h=10 m=7
